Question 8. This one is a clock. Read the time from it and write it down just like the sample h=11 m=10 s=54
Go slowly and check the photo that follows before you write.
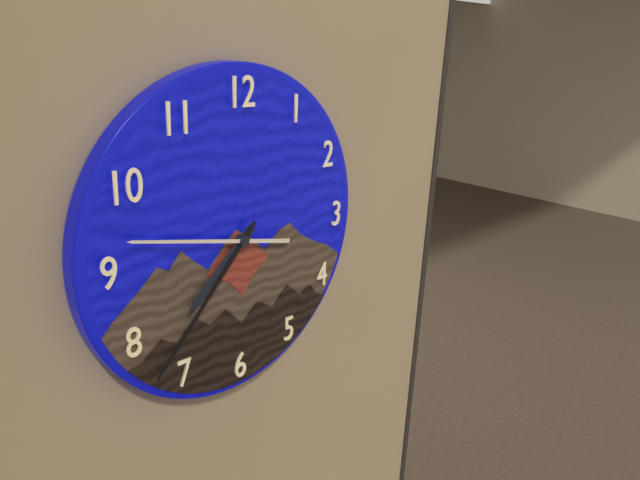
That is h=7 m=37 s=47
